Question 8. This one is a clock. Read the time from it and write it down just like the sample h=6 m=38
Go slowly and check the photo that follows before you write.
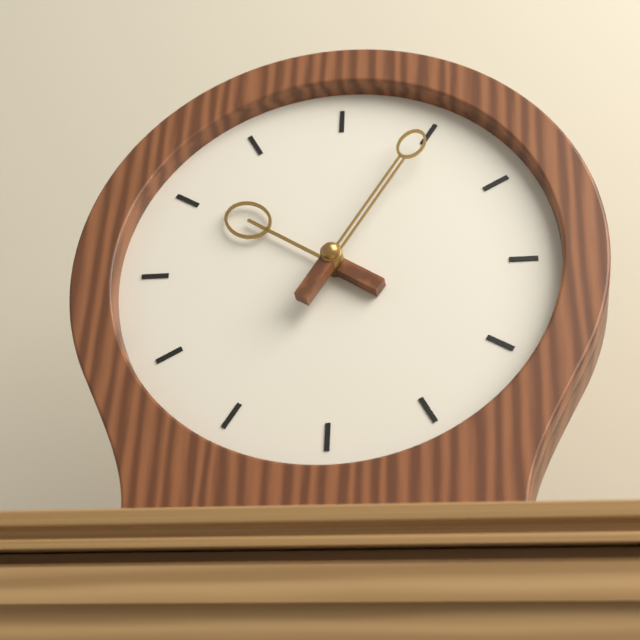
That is h=10 m=5
